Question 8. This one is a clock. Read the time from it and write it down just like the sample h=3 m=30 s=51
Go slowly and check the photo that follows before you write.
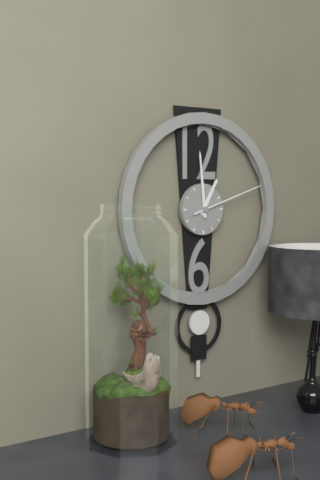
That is h=12 m=59 s=12
